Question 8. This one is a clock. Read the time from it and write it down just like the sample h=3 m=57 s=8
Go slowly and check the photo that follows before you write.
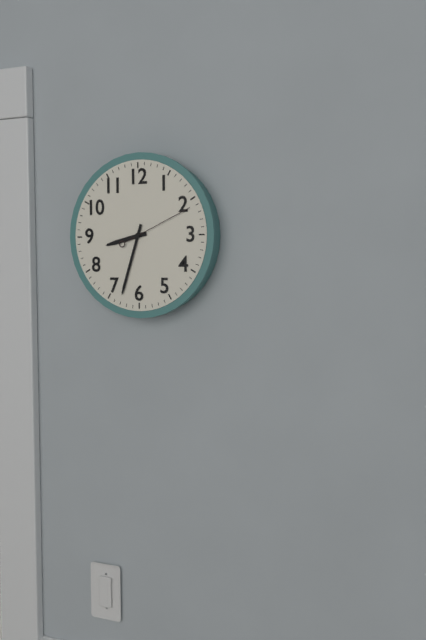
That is h=8 m=33 s=11
